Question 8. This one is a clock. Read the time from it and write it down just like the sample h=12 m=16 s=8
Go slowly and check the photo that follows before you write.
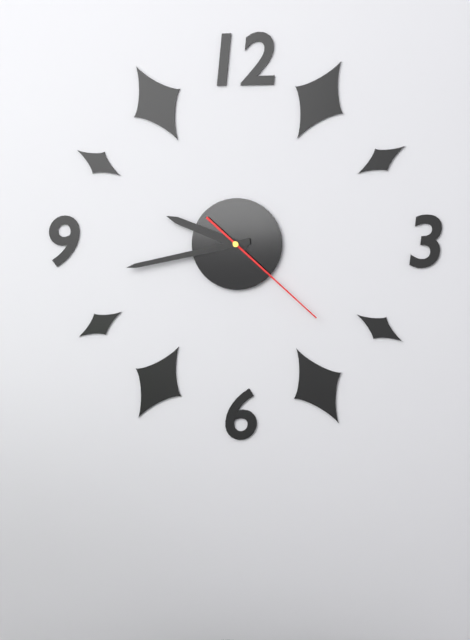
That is h=9 m=43 s=22
